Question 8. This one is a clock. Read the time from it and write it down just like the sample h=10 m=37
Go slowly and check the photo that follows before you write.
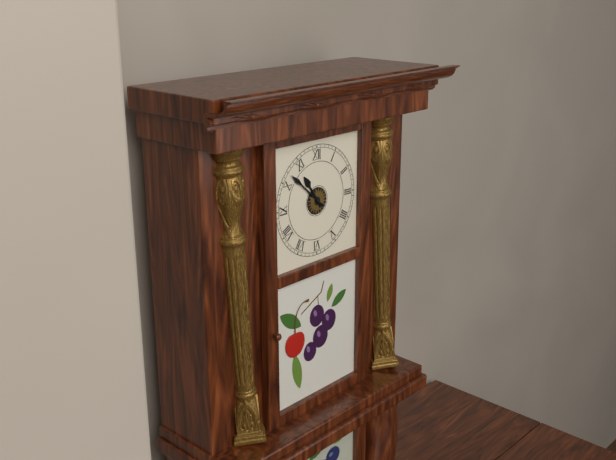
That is h=10 m=52
